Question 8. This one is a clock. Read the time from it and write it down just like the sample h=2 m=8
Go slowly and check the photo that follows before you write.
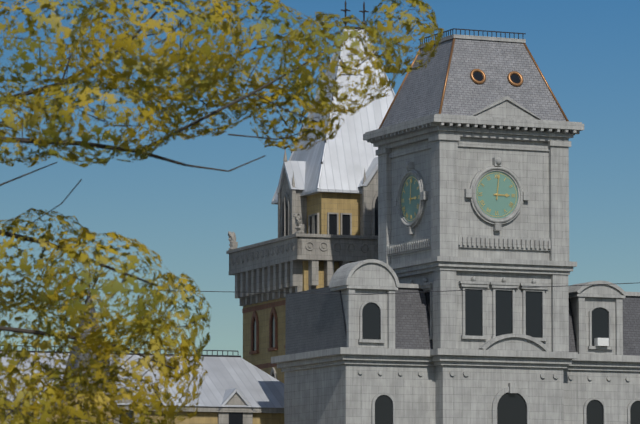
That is h=3 m=1
